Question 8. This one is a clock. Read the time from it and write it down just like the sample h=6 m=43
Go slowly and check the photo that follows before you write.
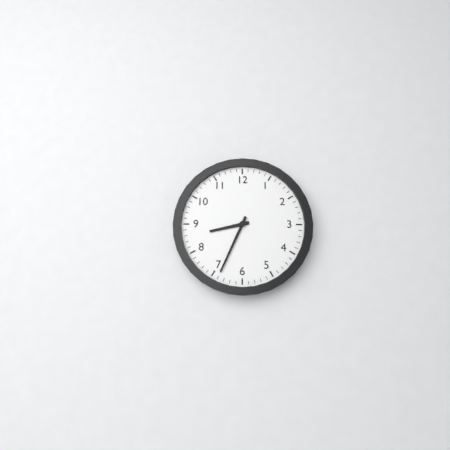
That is h=8 m=34
